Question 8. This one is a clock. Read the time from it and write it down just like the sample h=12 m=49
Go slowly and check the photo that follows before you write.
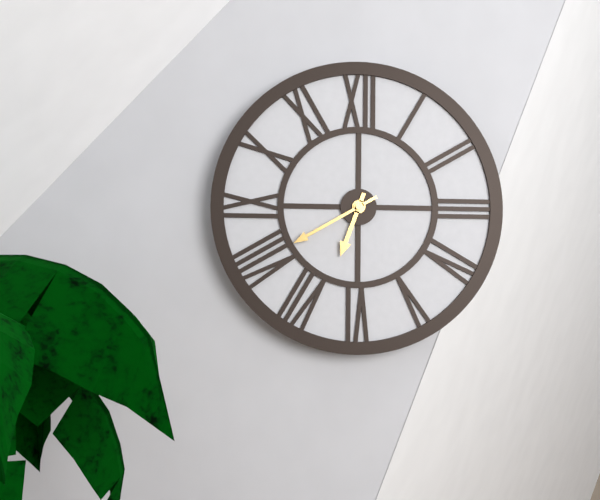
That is h=6 m=40
